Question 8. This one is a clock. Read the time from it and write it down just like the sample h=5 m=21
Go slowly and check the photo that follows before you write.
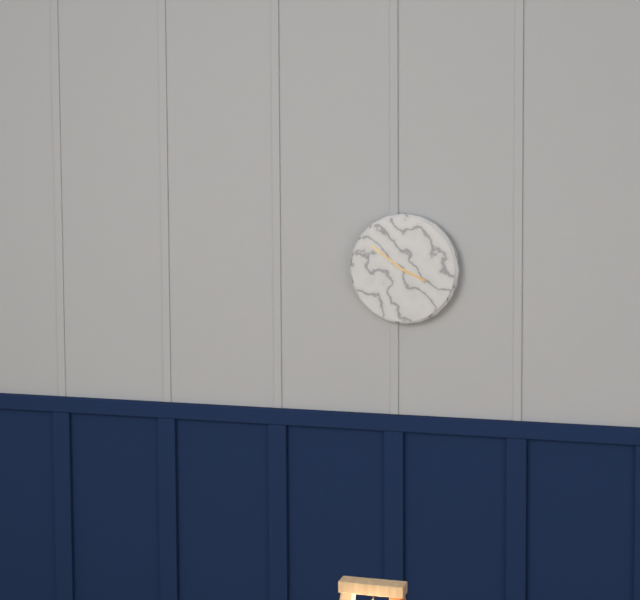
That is h=3 m=51
